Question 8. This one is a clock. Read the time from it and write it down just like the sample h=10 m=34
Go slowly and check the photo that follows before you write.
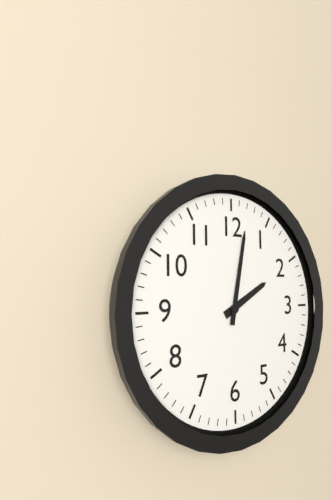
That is h=2 m=2
